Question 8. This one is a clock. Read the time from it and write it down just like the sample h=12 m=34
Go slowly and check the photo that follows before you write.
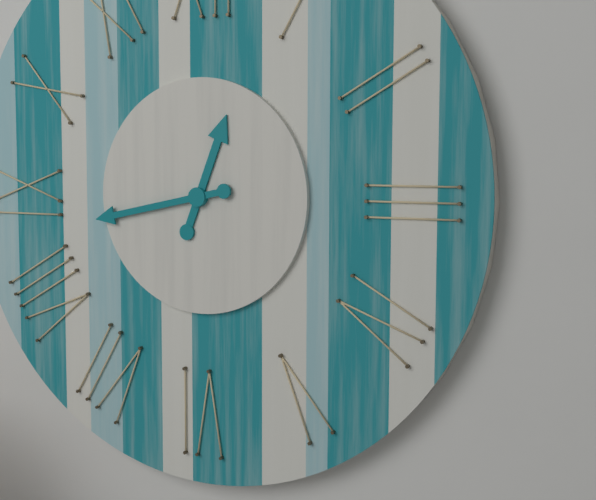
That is h=12 m=43
